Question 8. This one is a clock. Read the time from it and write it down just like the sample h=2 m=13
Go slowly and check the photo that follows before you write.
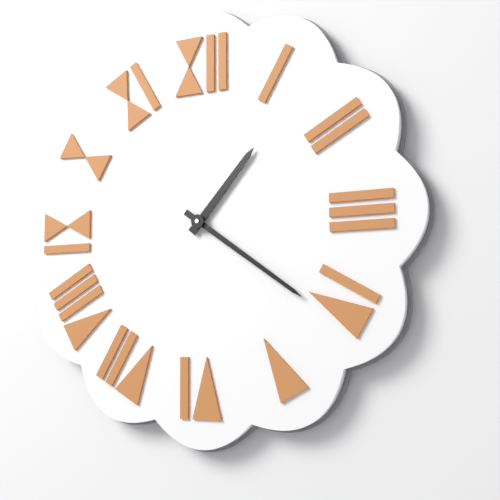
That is h=1 m=21
